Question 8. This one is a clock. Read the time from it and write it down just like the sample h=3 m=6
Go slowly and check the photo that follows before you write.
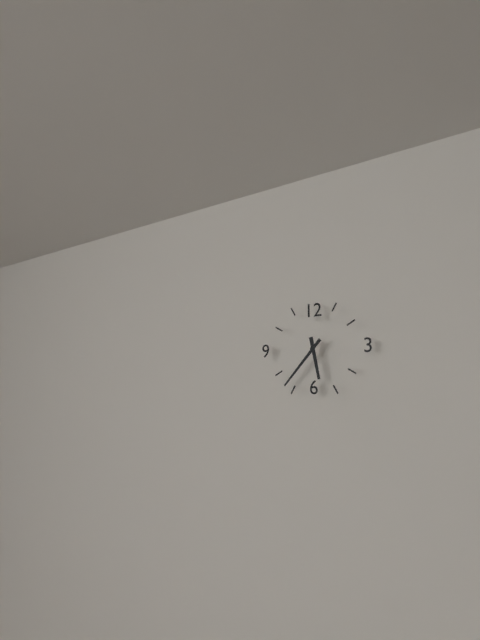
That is h=5 m=37
